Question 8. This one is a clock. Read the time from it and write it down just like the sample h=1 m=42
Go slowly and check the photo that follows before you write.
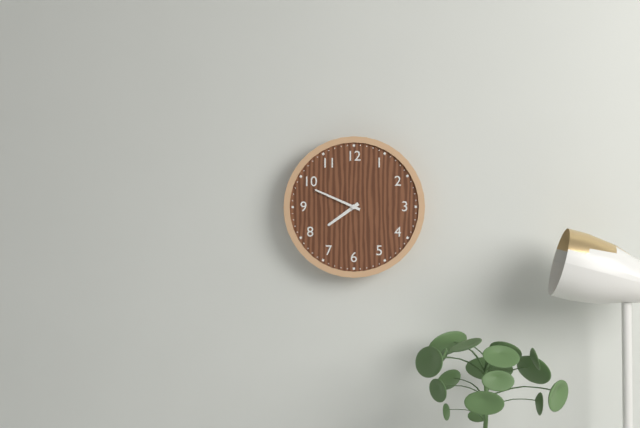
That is h=7 m=49
